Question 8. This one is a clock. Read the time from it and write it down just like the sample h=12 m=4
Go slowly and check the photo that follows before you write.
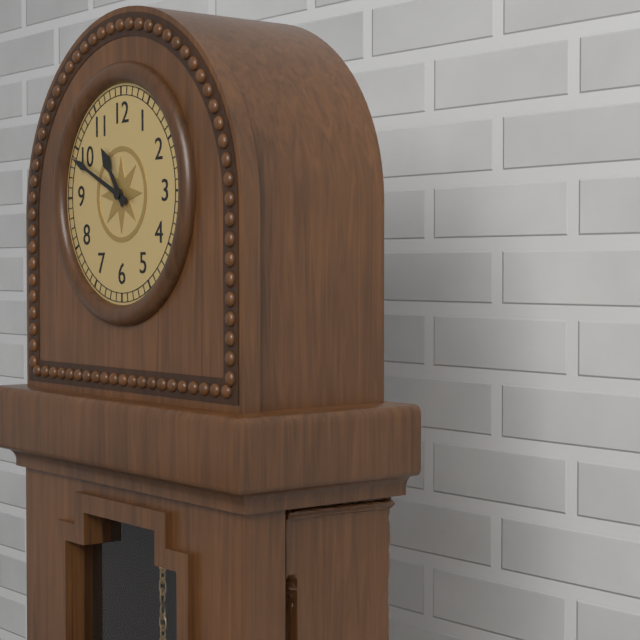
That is h=10 m=49
